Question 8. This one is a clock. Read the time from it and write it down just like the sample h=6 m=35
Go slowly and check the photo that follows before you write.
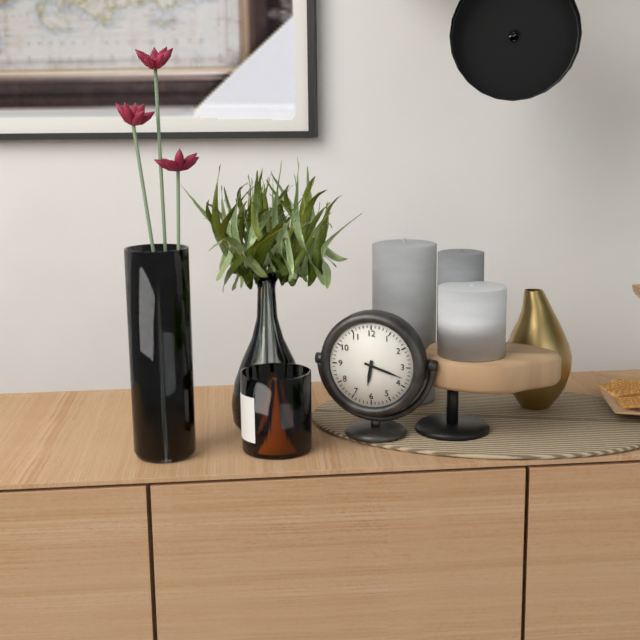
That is h=6 m=18
